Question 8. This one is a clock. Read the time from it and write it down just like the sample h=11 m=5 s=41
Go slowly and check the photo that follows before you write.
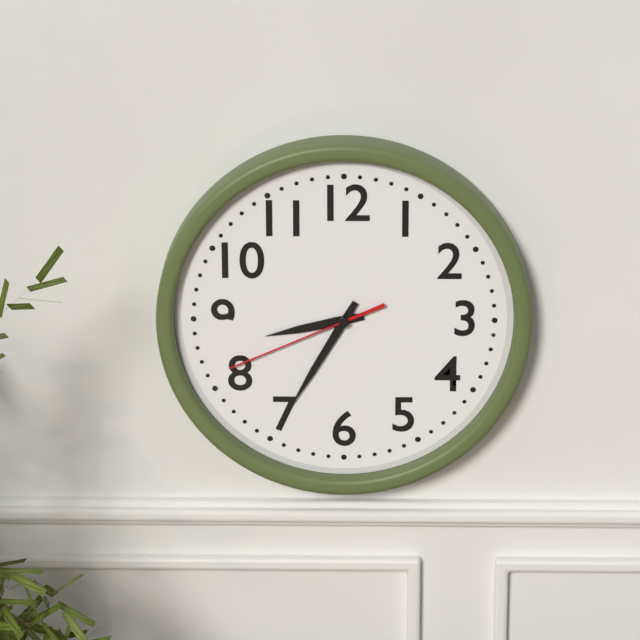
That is h=8 m=35 s=41
